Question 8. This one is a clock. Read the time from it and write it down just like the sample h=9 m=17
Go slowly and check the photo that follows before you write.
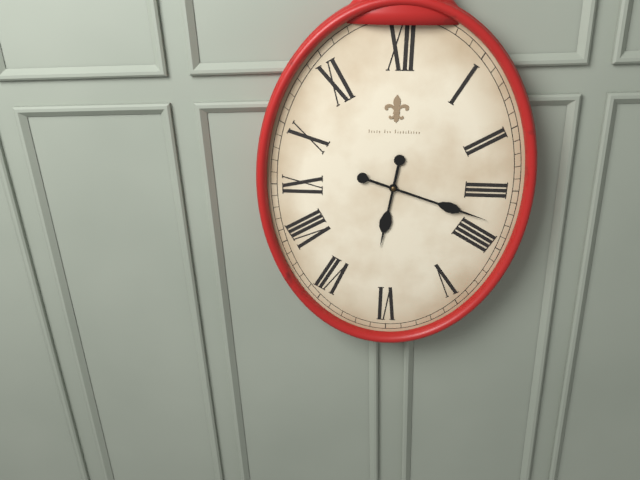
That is h=6 m=18
